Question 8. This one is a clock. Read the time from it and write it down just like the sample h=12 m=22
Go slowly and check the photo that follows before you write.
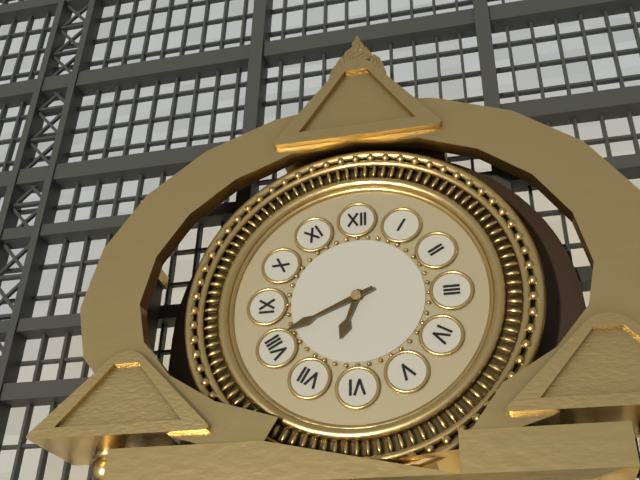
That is h=6 m=41
